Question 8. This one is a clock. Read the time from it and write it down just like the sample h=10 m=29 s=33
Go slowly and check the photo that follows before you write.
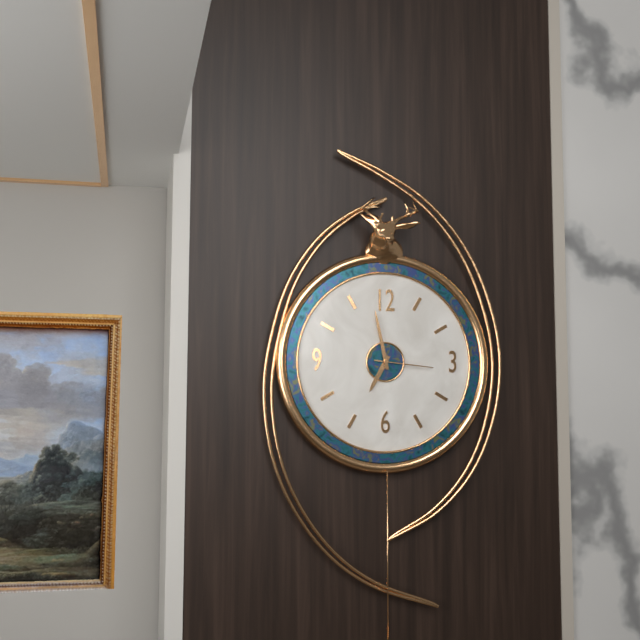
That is h=6 m=58 s=16
